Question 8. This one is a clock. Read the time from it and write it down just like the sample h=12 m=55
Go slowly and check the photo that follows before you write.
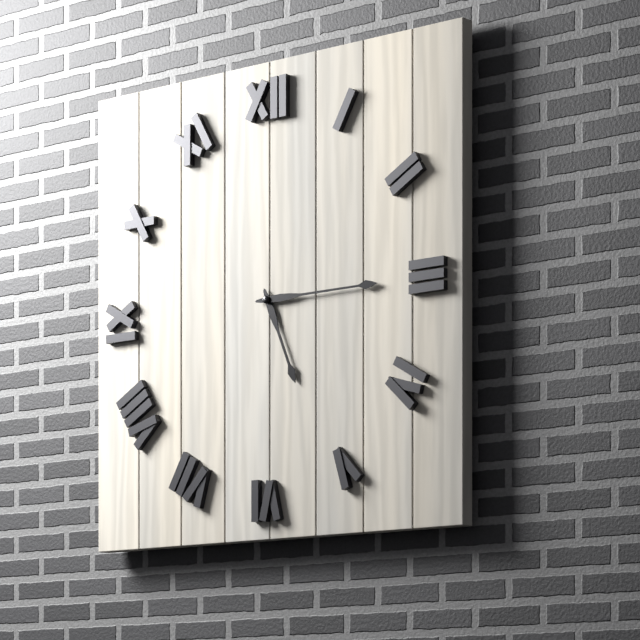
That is h=5 m=15
